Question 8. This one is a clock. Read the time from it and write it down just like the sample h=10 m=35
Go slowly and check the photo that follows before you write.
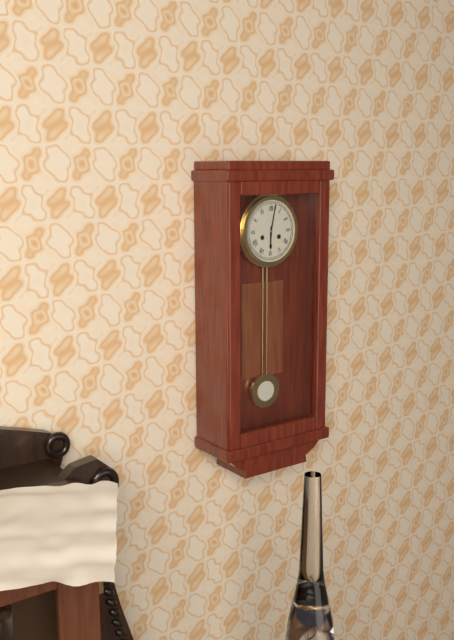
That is h=6 m=2
